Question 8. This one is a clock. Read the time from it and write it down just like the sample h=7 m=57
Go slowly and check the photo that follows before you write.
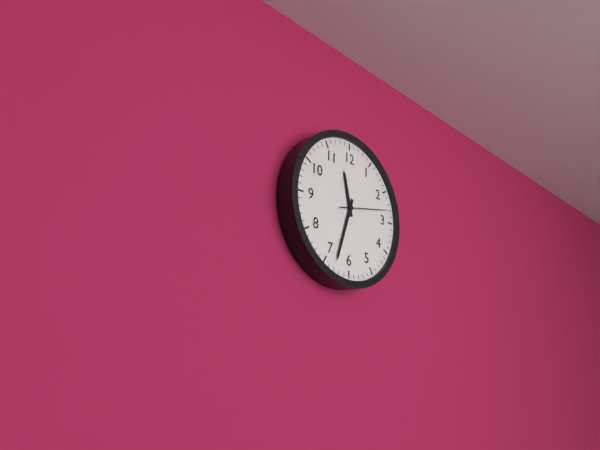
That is h=11 m=33
